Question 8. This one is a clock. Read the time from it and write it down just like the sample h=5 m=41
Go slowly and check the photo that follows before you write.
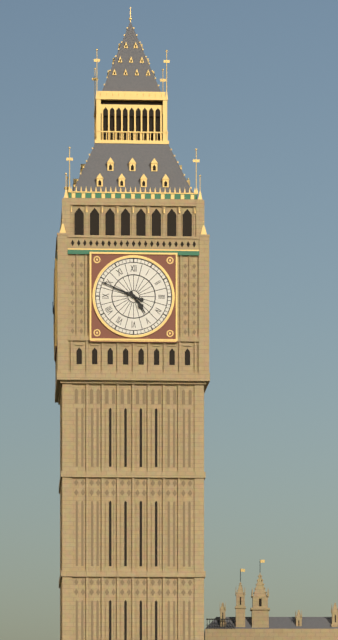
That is h=4 m=49
